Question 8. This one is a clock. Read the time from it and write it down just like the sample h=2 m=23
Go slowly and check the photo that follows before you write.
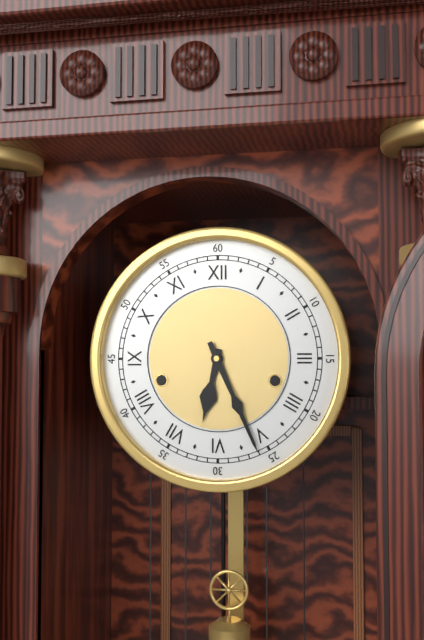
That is h=6 m=26
